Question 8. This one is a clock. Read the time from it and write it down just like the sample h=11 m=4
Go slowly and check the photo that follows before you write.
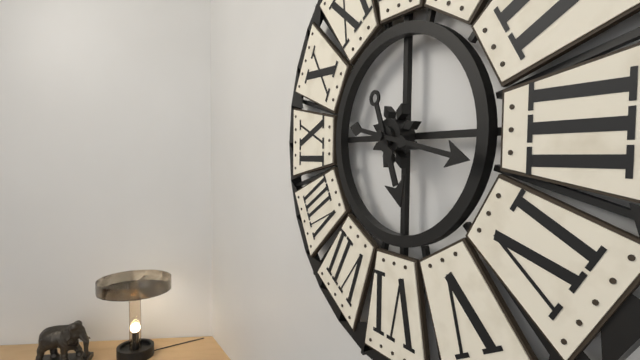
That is h=5 m=17
